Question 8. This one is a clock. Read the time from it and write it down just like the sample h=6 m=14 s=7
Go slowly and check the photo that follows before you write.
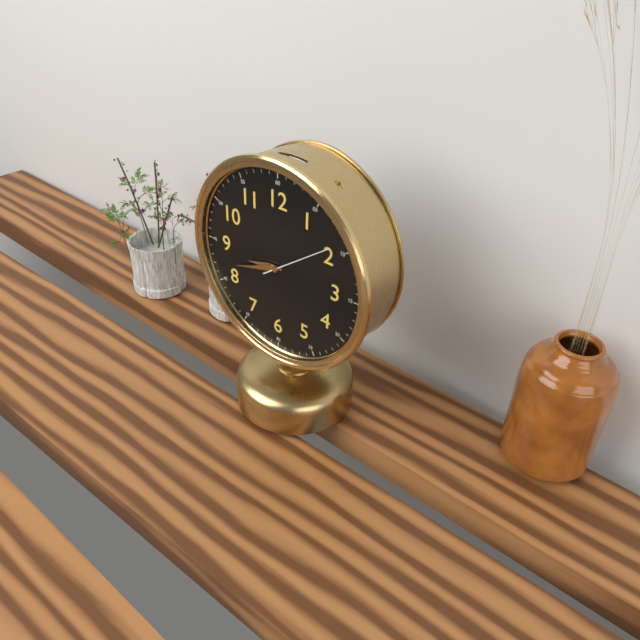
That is h=8 m=42 s=9
